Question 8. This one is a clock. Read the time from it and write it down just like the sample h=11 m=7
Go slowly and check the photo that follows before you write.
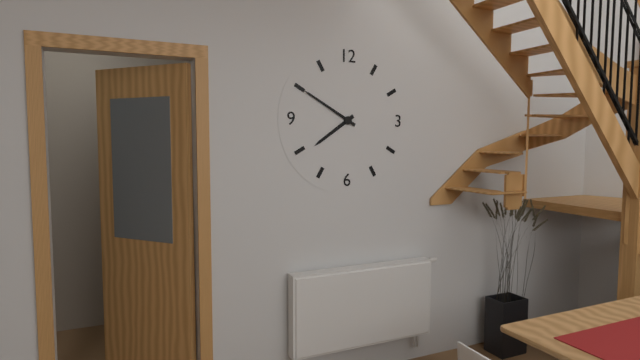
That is h=7 m=50
